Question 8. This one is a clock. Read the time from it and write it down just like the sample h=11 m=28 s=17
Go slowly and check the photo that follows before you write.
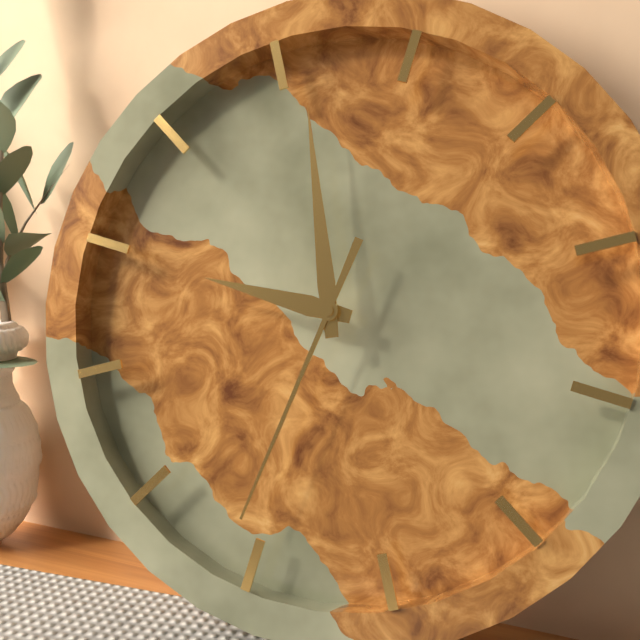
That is h=8 m=56 s=31
